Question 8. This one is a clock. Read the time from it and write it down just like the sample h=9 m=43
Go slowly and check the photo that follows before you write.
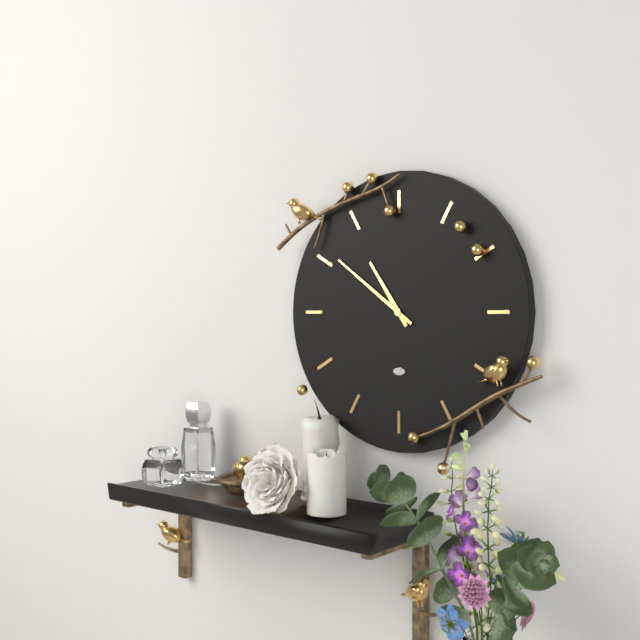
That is h=10 m=51
